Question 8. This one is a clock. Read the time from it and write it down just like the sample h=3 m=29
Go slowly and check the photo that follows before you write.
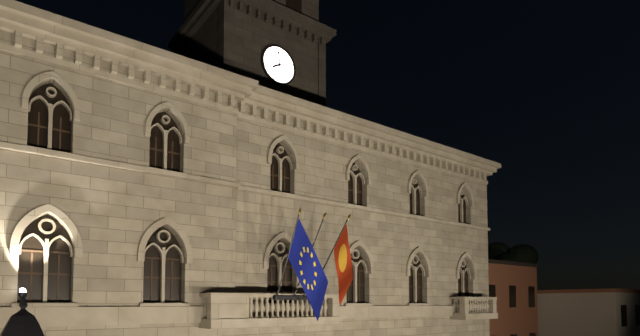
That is h=7 m=59
